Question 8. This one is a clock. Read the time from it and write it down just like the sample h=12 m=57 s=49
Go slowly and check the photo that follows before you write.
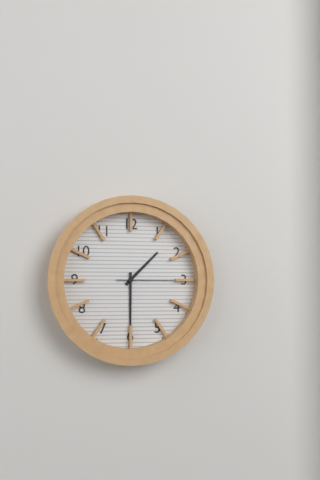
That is h=1 m=30 s=15
